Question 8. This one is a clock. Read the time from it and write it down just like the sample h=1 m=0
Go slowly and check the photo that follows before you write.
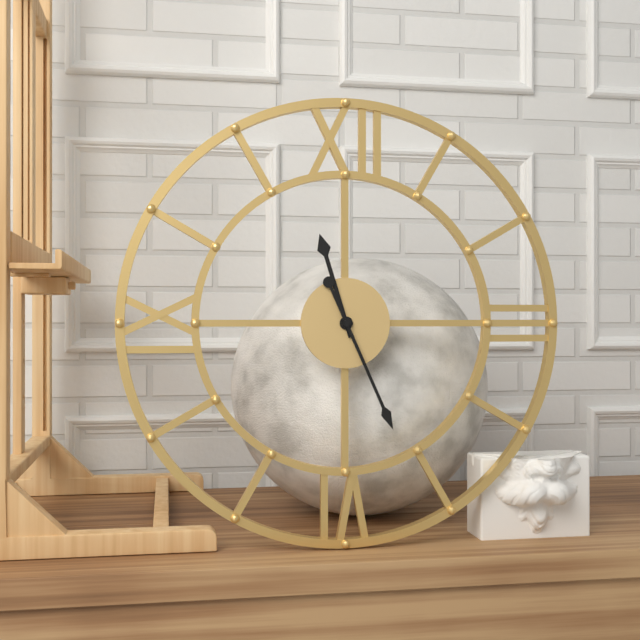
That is h=11 m=26
